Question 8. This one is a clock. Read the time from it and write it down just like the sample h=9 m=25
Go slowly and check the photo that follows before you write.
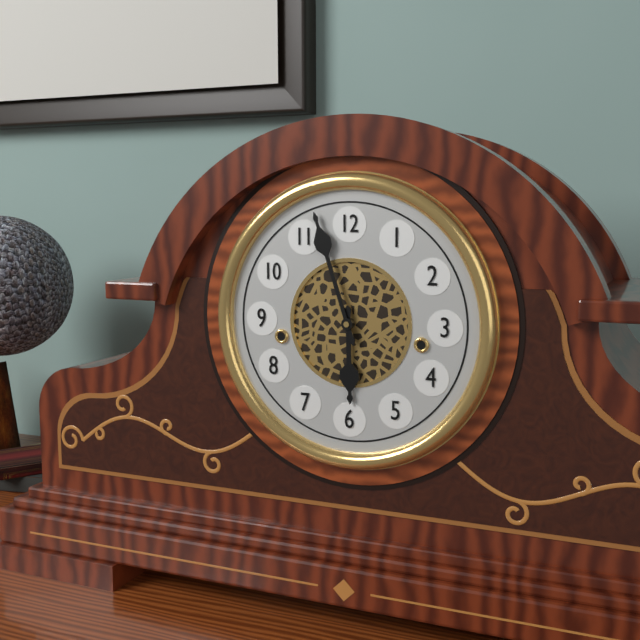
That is h=5 m=57
